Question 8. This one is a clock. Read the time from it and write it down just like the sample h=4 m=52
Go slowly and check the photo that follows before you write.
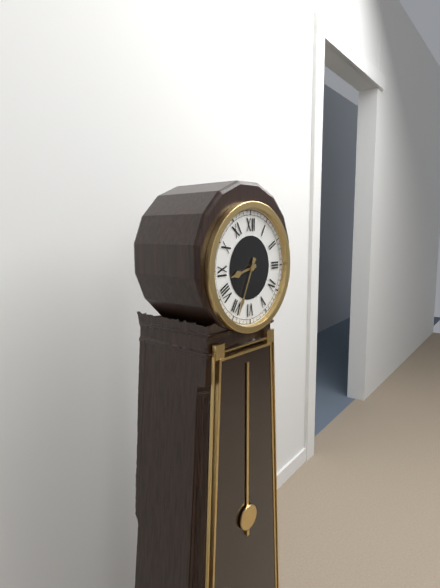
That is h=8 m=34
